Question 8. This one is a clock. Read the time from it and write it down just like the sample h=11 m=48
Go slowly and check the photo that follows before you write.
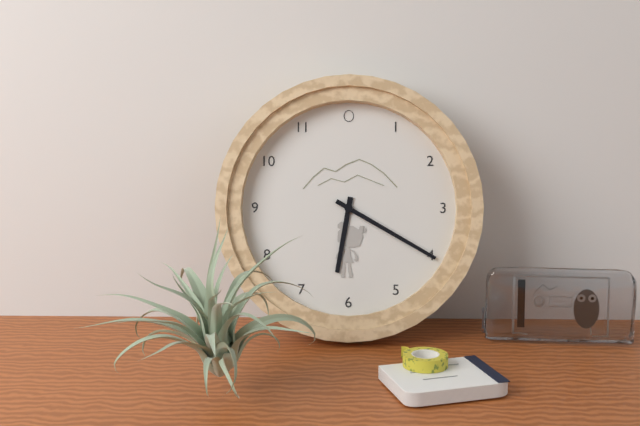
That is h=6 m=20
